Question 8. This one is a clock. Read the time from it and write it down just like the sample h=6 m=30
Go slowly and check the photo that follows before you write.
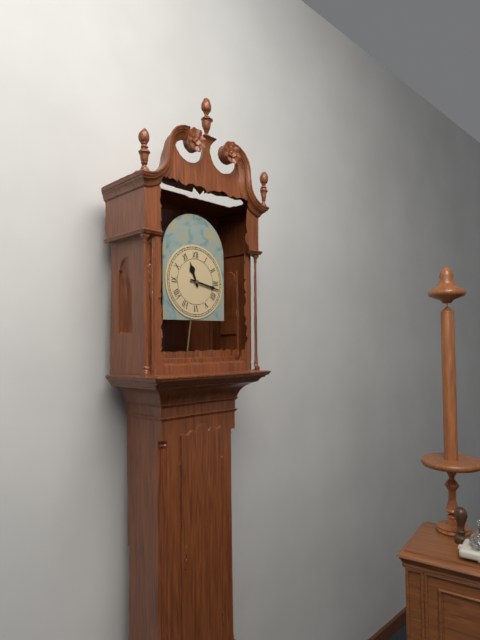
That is h=11 m=17
